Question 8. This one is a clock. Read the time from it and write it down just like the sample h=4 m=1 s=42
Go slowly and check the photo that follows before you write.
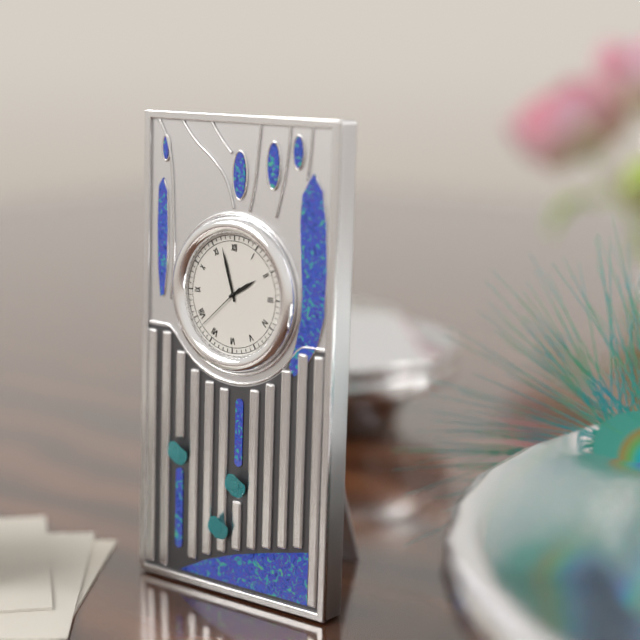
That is h=1 m=57 s=38
